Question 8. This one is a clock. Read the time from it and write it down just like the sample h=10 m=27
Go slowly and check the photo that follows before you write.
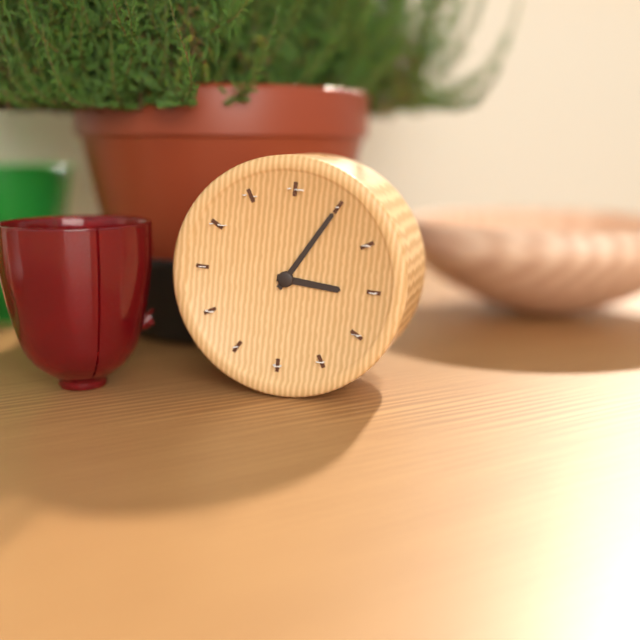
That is h=3 m=5
